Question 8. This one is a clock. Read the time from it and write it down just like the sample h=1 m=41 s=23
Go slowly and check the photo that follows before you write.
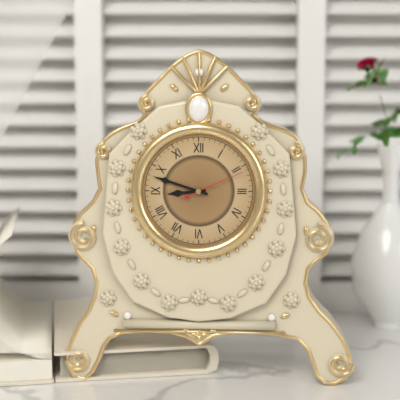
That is h=8 m=48 s=11
